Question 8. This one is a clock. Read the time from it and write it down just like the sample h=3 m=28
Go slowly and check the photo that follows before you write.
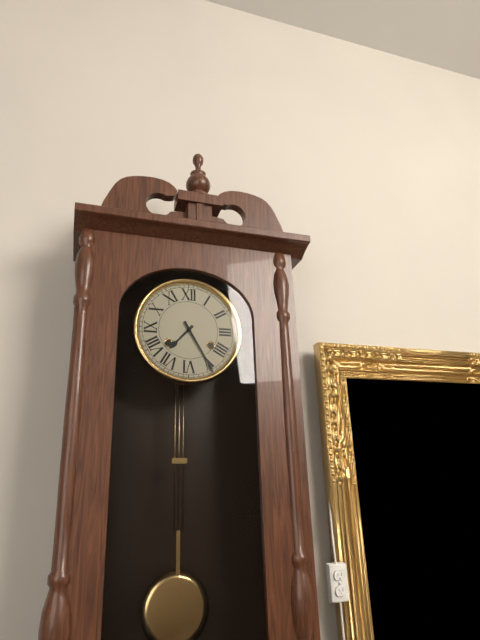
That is h=7 m=25
